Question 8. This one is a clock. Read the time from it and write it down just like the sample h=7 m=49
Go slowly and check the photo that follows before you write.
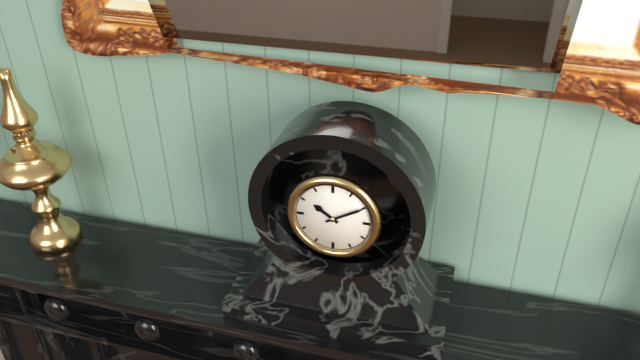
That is h=10 m=10
